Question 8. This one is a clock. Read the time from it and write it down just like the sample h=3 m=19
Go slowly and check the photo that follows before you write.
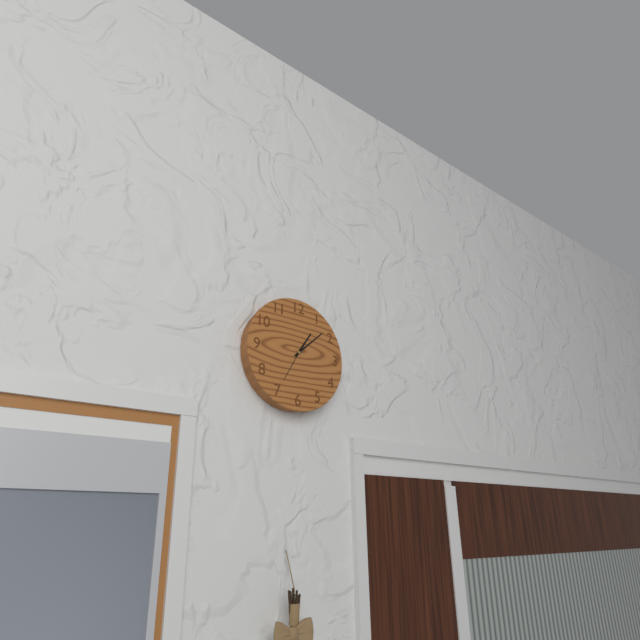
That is h=1 m=8
